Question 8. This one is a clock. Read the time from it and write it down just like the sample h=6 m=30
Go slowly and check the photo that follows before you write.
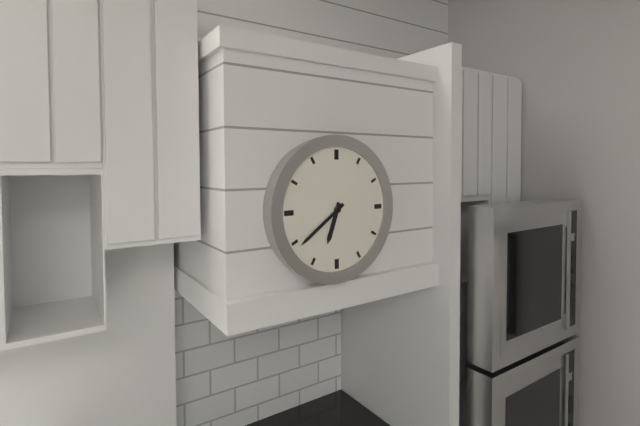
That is h=6 m=39
